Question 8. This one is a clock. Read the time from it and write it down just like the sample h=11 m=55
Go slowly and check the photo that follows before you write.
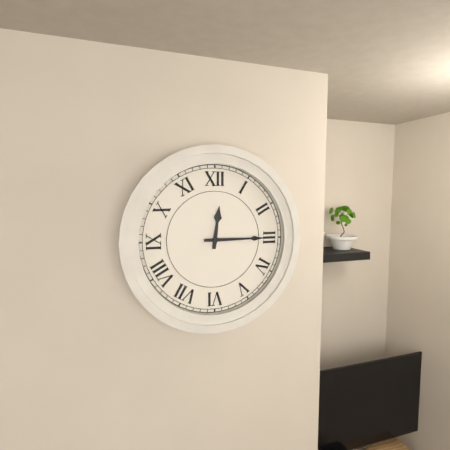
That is h=12 m=15
